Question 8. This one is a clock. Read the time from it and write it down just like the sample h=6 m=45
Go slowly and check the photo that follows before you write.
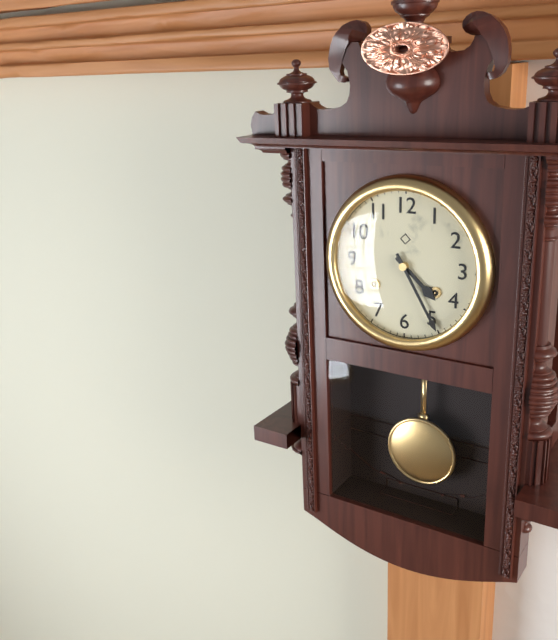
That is h=4 m=25
